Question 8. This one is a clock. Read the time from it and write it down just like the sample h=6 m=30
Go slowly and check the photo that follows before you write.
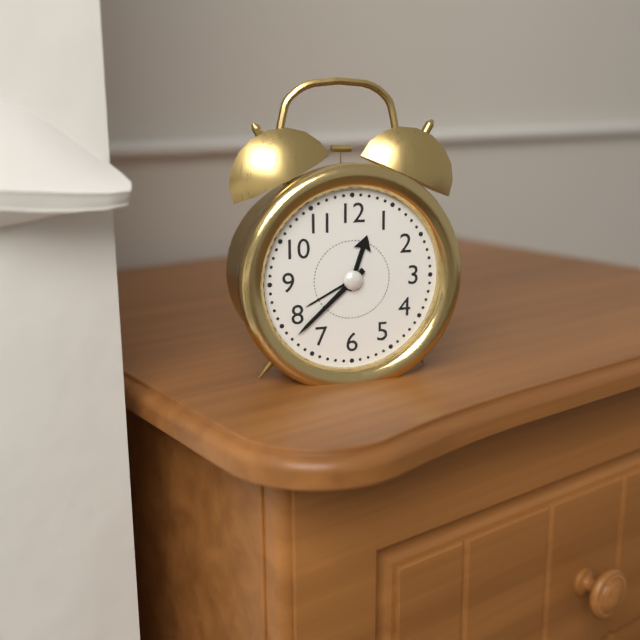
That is h=12 m=38
